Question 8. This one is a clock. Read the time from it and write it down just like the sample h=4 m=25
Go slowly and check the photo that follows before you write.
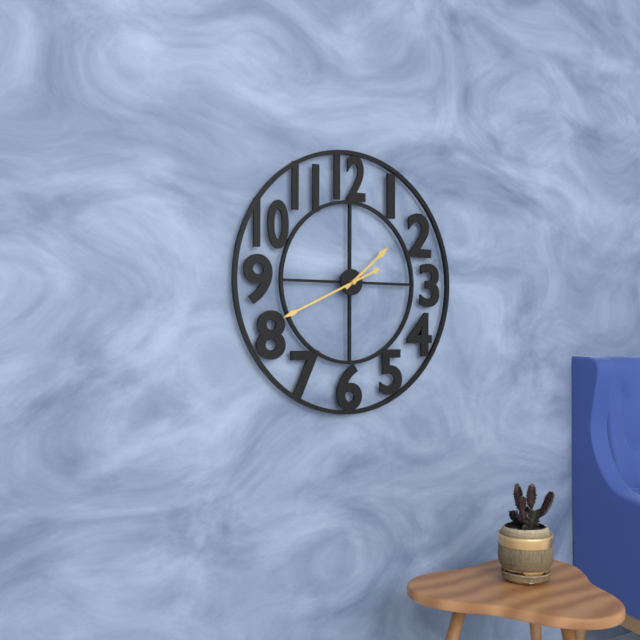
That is h=1 m=41
